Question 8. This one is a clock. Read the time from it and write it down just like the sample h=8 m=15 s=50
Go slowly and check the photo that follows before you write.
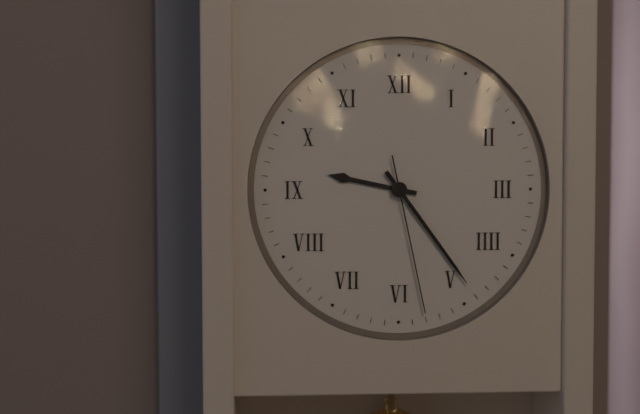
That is h=9 m=24 s=28
